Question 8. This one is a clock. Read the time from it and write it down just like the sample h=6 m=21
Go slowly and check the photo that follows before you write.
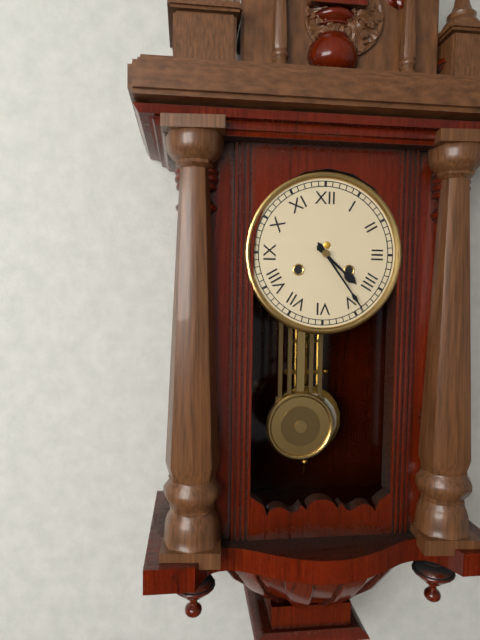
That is h=4 m=24
